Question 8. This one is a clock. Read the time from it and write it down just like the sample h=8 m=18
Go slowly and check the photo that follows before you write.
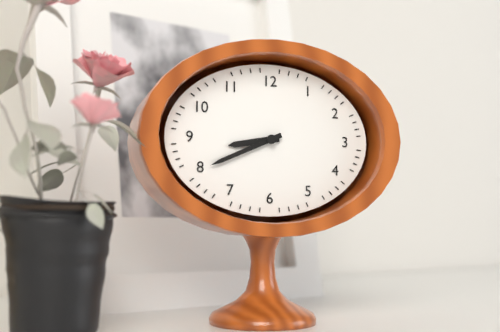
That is h=8 m=41
